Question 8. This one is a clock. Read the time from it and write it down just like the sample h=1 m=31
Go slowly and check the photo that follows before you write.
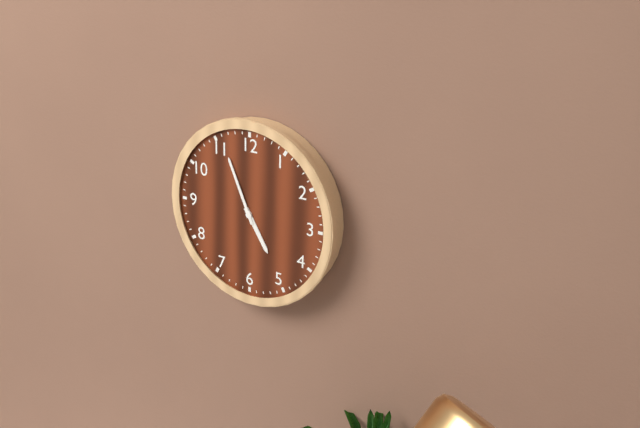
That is h=4 m=56
